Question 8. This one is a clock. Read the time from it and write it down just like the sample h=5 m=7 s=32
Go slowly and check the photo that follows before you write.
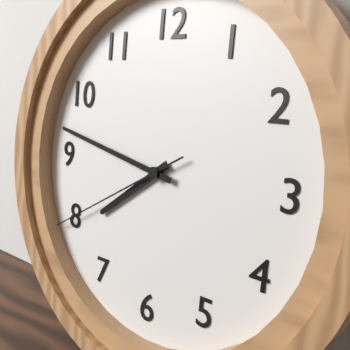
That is h=7 m=47 s=40
